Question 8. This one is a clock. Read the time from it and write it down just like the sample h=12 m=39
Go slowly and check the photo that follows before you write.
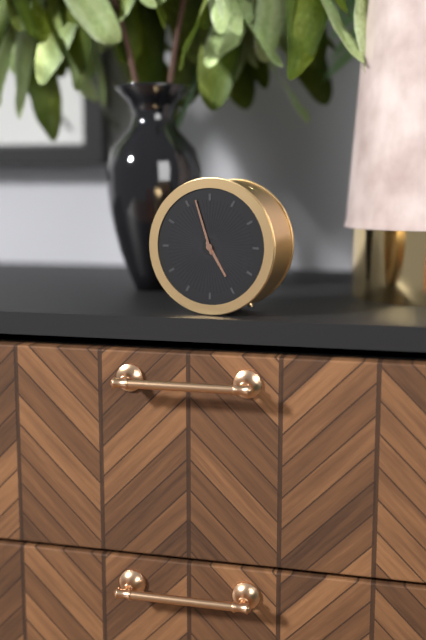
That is h=4 m=57
